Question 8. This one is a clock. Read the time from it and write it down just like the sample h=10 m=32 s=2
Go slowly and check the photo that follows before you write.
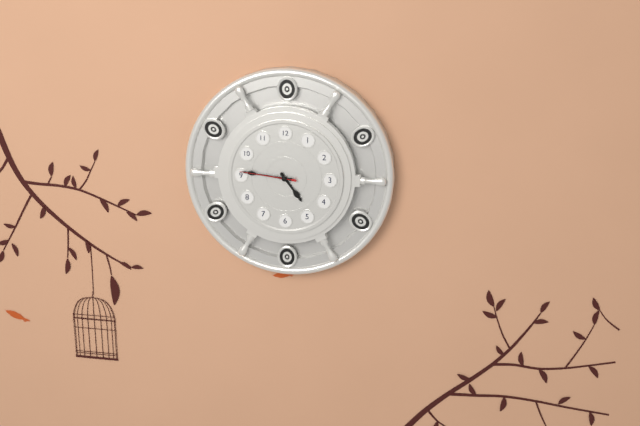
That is h=4 m=46 s=46
